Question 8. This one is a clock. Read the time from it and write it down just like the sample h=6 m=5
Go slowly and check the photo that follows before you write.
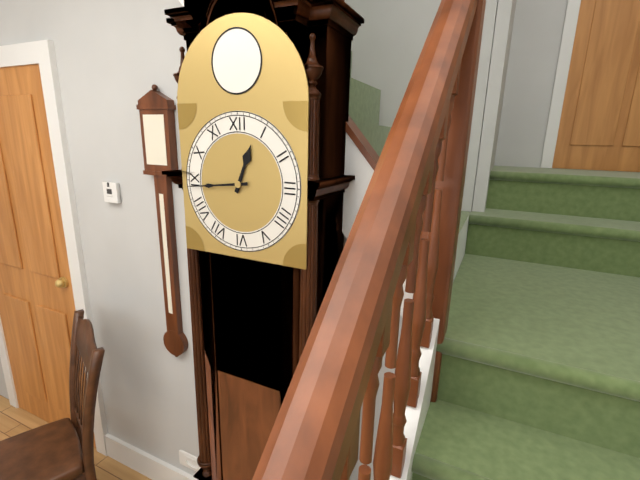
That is h=12 m=44
